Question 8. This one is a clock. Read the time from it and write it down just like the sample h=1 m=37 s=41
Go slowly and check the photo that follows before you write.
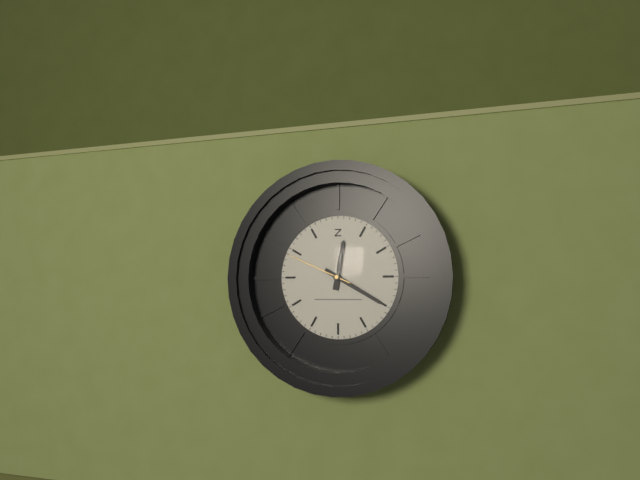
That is h=12 m=20 s=49
